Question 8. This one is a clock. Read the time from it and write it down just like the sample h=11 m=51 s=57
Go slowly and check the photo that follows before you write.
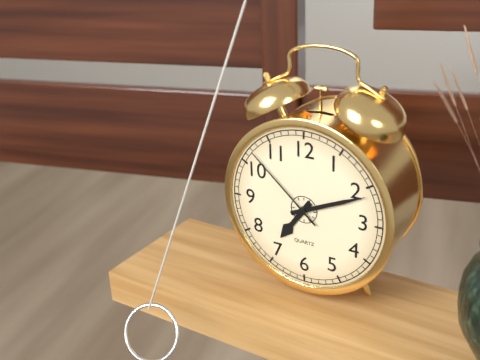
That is h=7 m=11 s=52
